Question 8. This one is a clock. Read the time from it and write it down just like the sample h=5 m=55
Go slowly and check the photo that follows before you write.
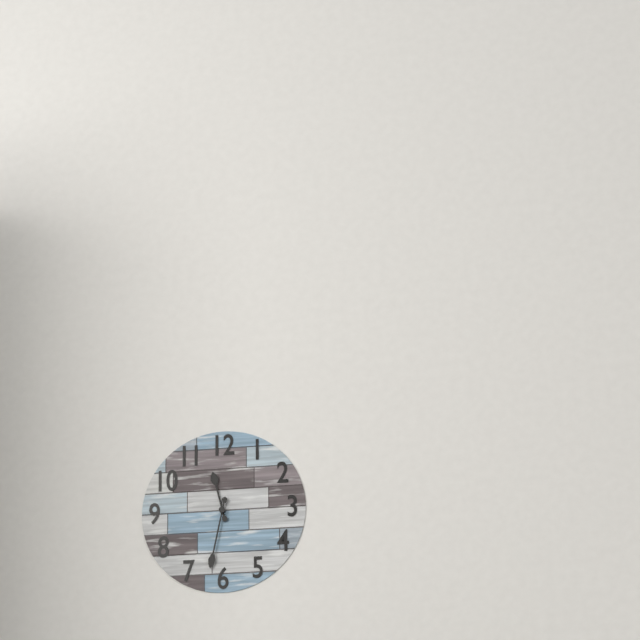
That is h=11 m=32
